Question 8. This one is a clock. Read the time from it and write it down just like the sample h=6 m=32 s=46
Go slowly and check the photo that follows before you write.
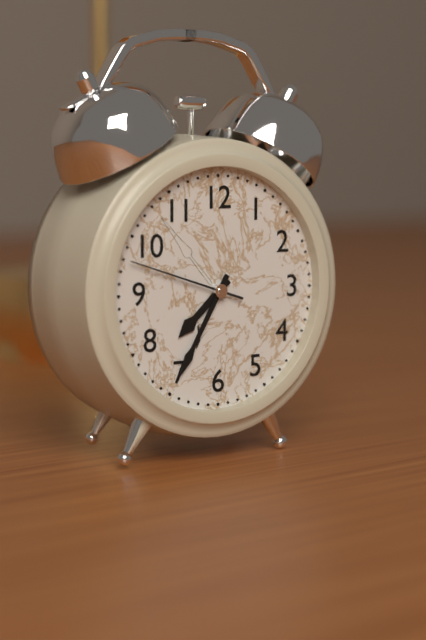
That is h=7 m=35 s=48
